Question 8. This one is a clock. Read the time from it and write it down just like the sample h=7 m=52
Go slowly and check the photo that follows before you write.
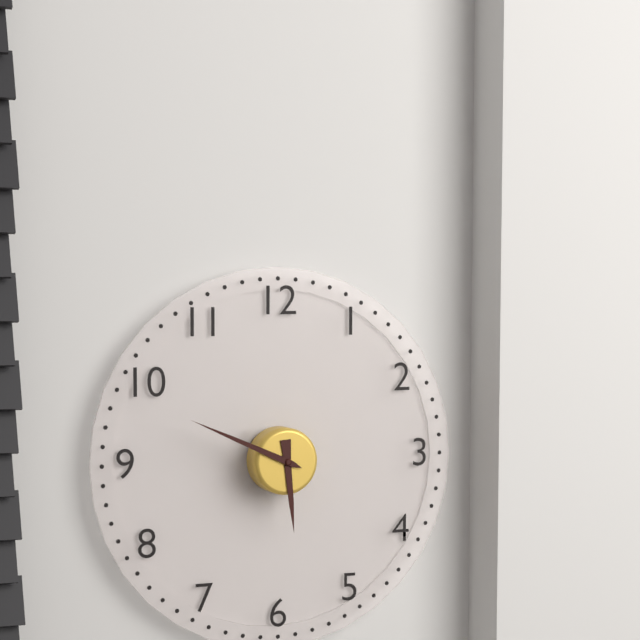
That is h=5 m=49
